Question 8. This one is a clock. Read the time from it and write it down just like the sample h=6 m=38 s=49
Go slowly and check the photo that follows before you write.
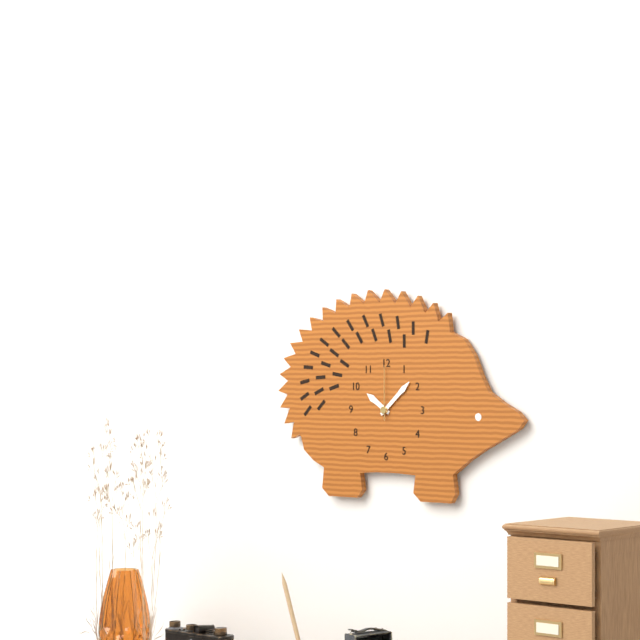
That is h=10 m=8 s=0
